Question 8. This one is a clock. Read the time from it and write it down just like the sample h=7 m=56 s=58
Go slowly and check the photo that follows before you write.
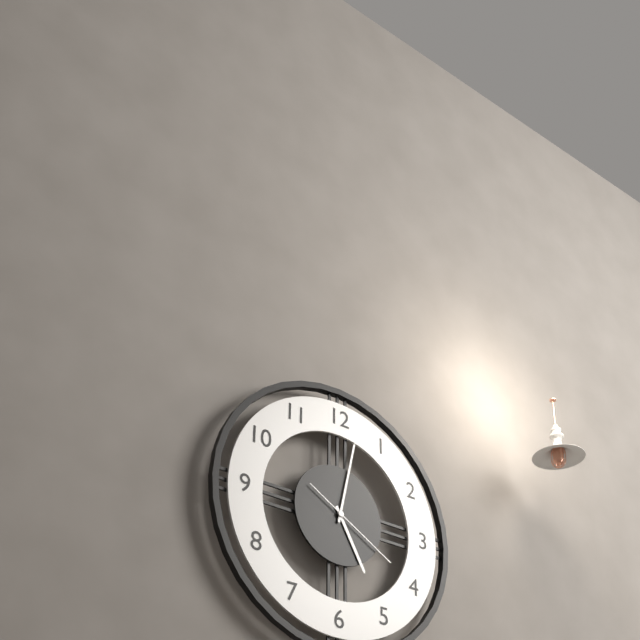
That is h=5 m=2 s=20
